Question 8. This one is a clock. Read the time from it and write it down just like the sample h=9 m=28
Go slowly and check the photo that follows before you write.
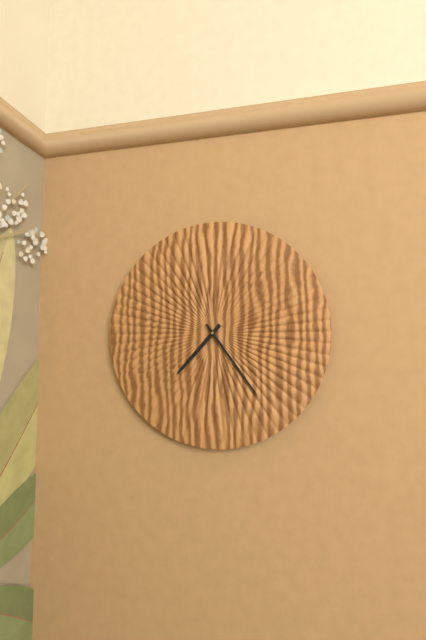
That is h=7 m=24
